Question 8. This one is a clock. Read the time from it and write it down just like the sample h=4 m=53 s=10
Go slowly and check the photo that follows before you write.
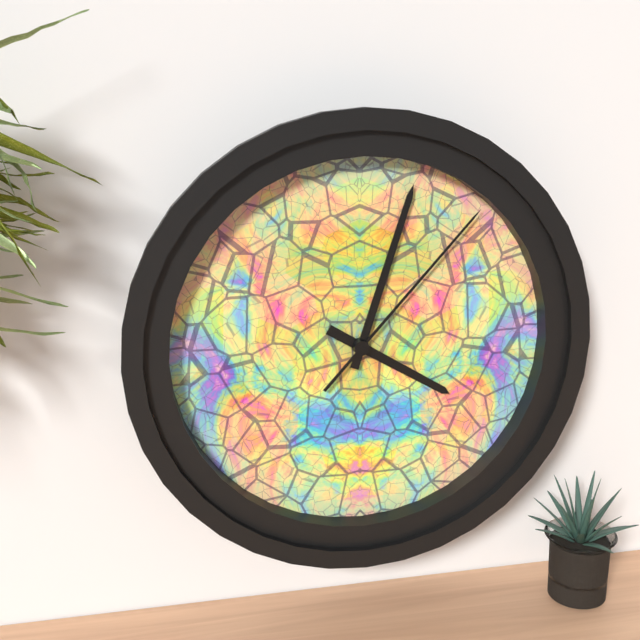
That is h=4 m=3 s=7
